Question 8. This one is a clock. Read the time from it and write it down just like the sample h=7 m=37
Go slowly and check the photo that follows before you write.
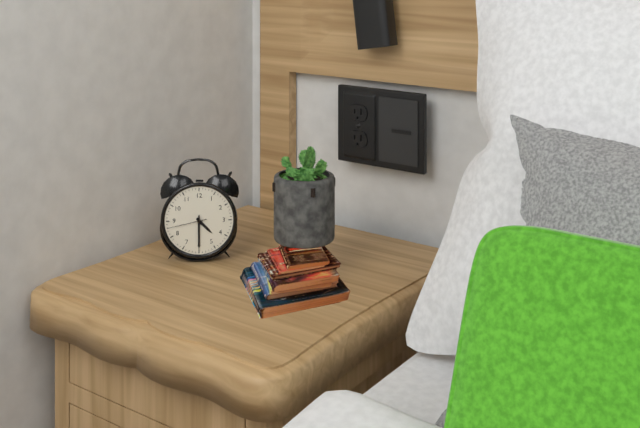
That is h=4 m=30
